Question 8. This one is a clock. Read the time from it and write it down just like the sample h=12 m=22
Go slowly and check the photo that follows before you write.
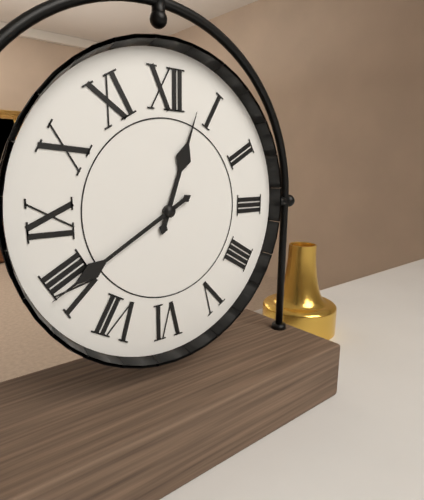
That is h=12 m=40
